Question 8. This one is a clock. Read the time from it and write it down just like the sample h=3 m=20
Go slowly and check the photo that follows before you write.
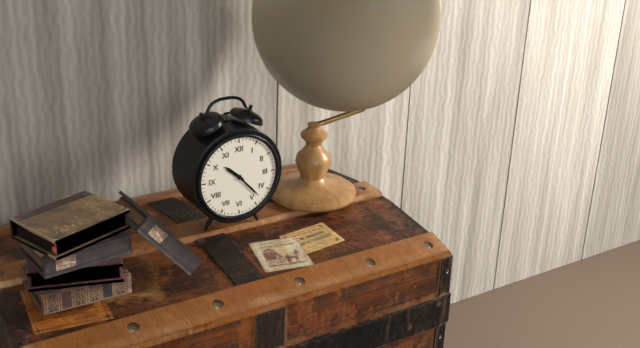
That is h=10 m=23
